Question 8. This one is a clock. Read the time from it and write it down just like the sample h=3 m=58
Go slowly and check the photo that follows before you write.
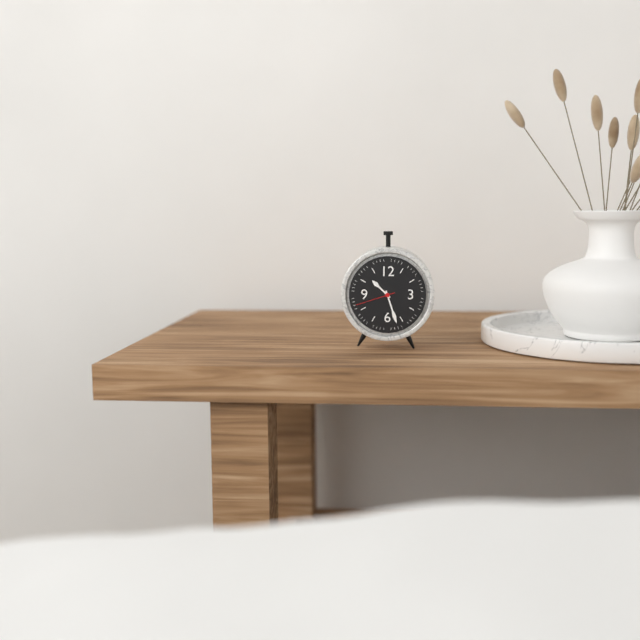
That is h=10 m=27
